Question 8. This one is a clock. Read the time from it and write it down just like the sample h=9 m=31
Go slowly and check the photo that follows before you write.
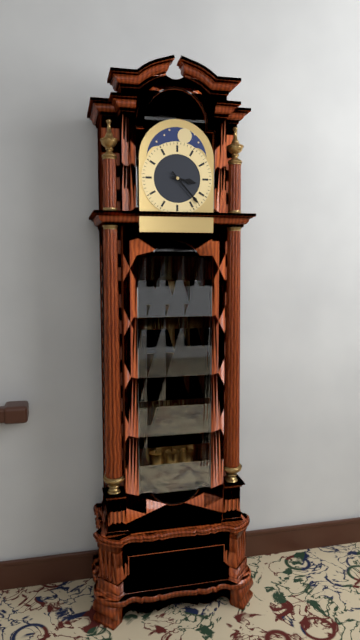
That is h=3 m=23
